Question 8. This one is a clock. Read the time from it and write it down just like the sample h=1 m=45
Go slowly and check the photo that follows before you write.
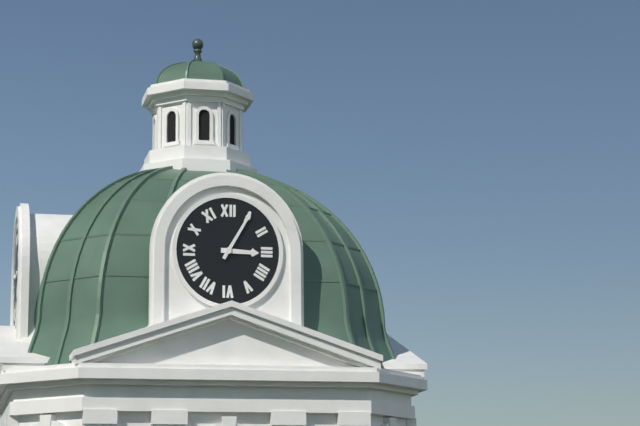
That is h=3 m=5
